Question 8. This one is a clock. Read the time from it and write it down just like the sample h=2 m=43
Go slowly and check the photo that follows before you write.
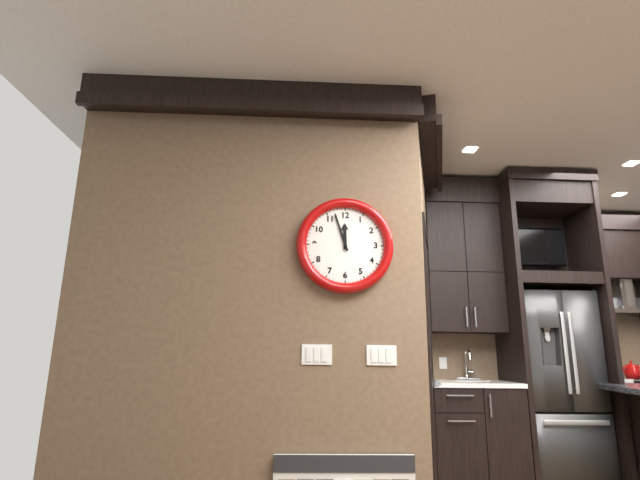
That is h=11 m=57
